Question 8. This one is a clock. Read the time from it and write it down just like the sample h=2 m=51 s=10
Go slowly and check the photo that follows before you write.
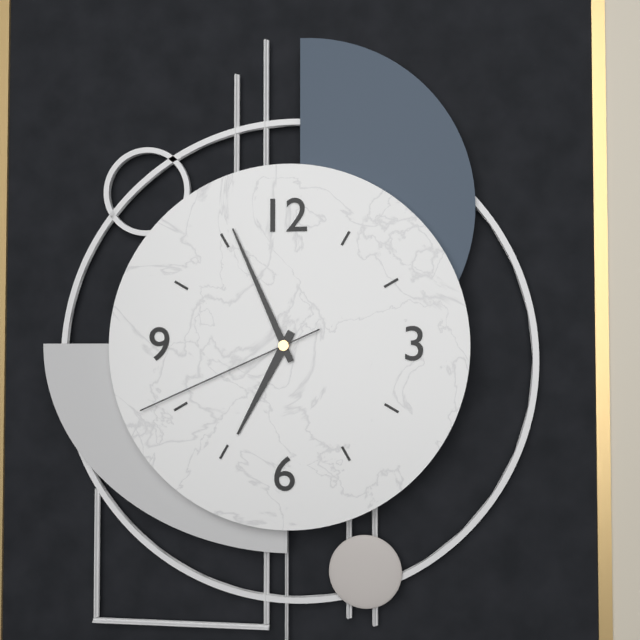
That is h=6 m=56 s=41
